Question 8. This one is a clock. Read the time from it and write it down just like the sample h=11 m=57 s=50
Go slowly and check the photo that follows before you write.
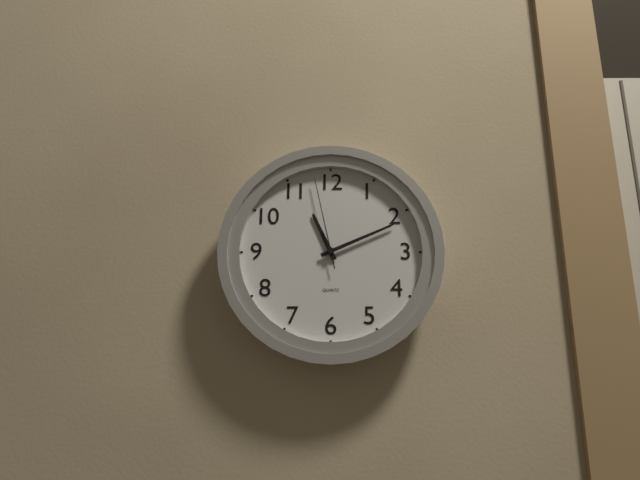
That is h=11 m=11 s=58
